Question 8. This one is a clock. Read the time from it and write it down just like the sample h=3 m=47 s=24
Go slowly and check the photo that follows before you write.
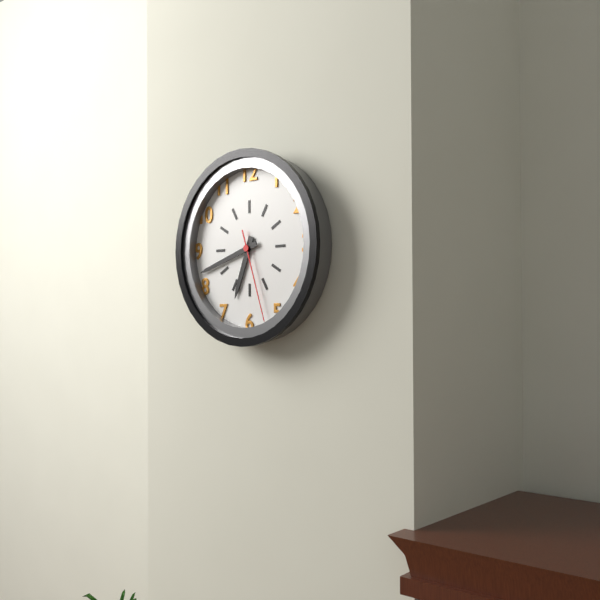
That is h=6 m=42 s=27
